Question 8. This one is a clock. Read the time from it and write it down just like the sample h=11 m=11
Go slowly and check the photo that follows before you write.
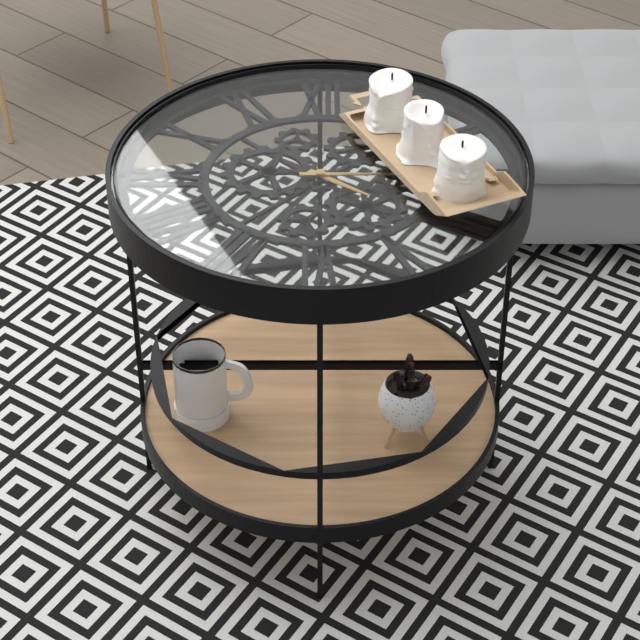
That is h=4 m=15
